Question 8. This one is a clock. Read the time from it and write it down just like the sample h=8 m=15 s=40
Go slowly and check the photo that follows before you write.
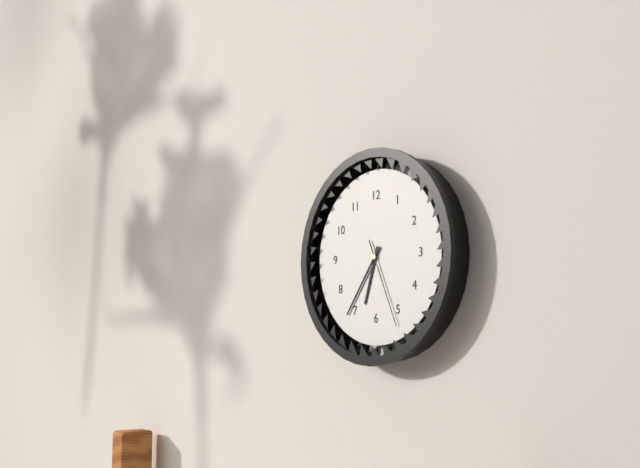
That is h=6 m=36 s=26
